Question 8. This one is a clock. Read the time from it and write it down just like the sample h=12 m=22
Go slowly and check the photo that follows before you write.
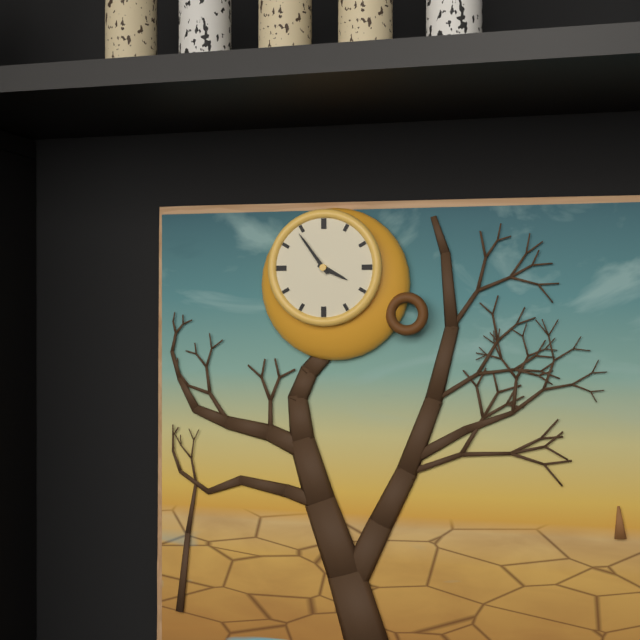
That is h=3 m=54
